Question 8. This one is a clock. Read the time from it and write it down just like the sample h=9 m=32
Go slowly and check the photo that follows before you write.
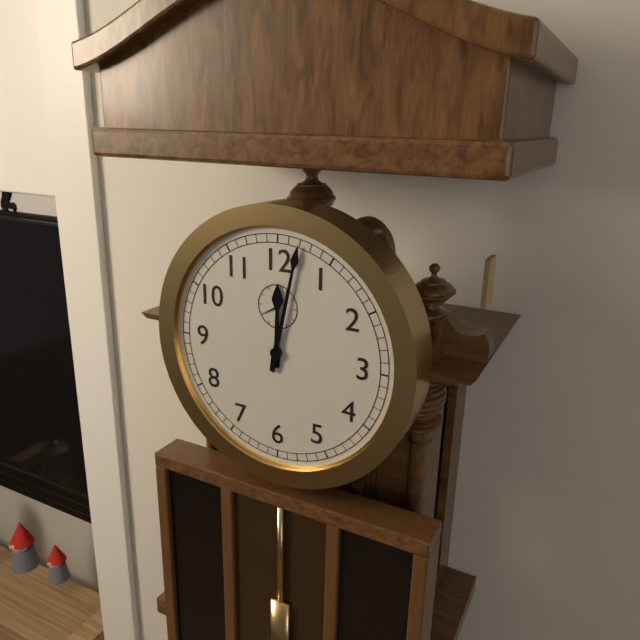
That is h=12 m=2
